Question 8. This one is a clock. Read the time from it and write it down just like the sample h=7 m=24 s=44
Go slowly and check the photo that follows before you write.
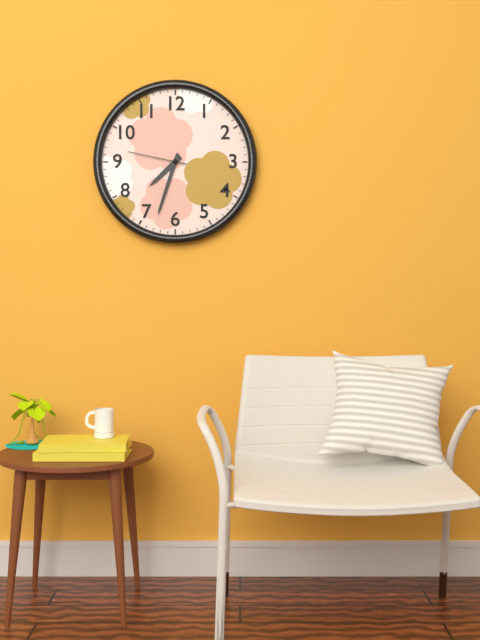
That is h=7 m=33 s=47
